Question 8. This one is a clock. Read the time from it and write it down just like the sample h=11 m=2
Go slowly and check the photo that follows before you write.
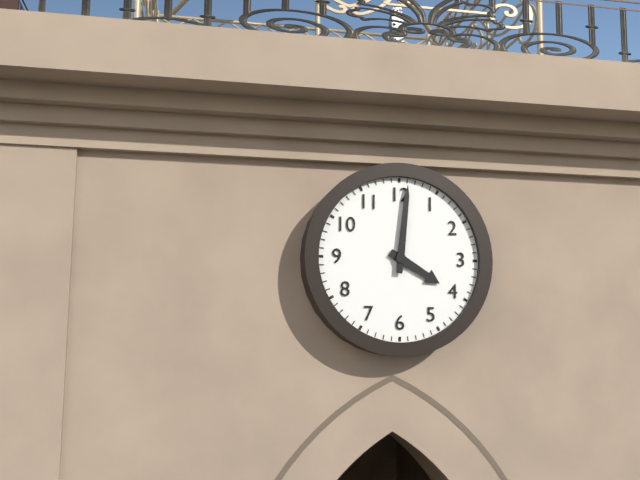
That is h=4 m=1
